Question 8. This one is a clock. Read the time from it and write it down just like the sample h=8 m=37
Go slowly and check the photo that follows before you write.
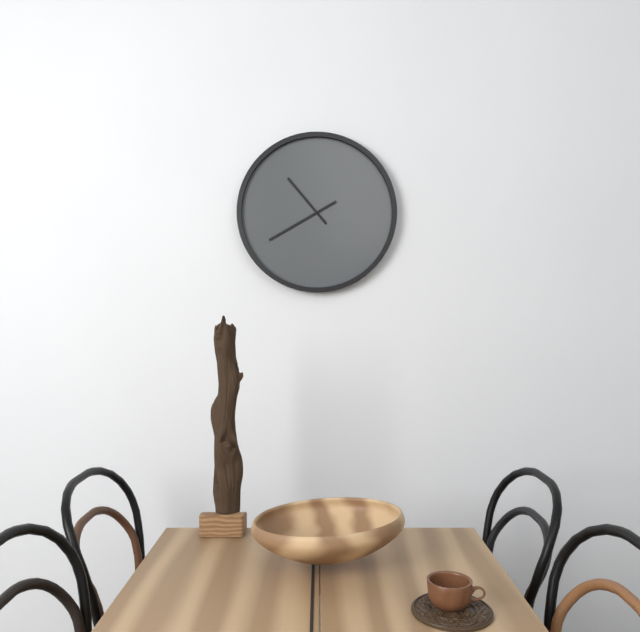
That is h=10 m=40
